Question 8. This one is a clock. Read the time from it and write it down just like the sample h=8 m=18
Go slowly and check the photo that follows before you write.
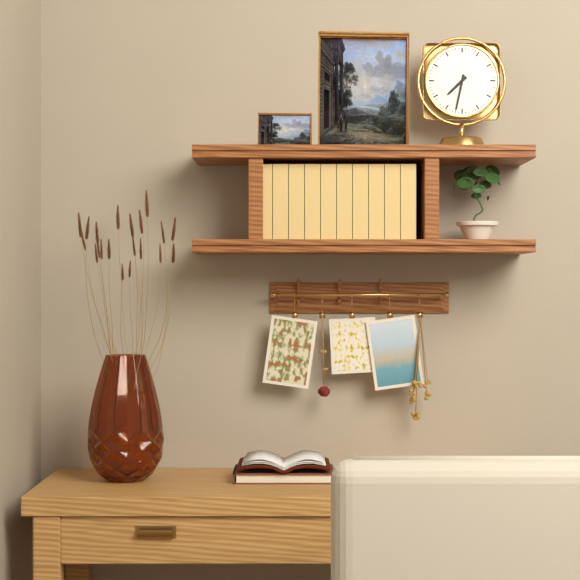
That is h=7 m=32
